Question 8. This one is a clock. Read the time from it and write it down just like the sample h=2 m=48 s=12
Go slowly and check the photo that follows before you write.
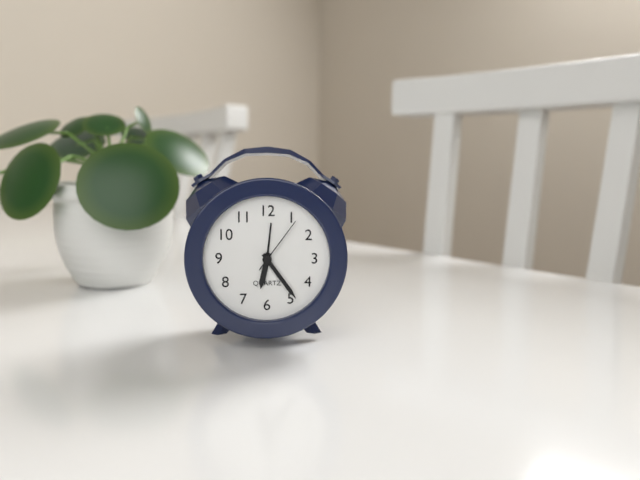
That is h=6 m=24 s=6
